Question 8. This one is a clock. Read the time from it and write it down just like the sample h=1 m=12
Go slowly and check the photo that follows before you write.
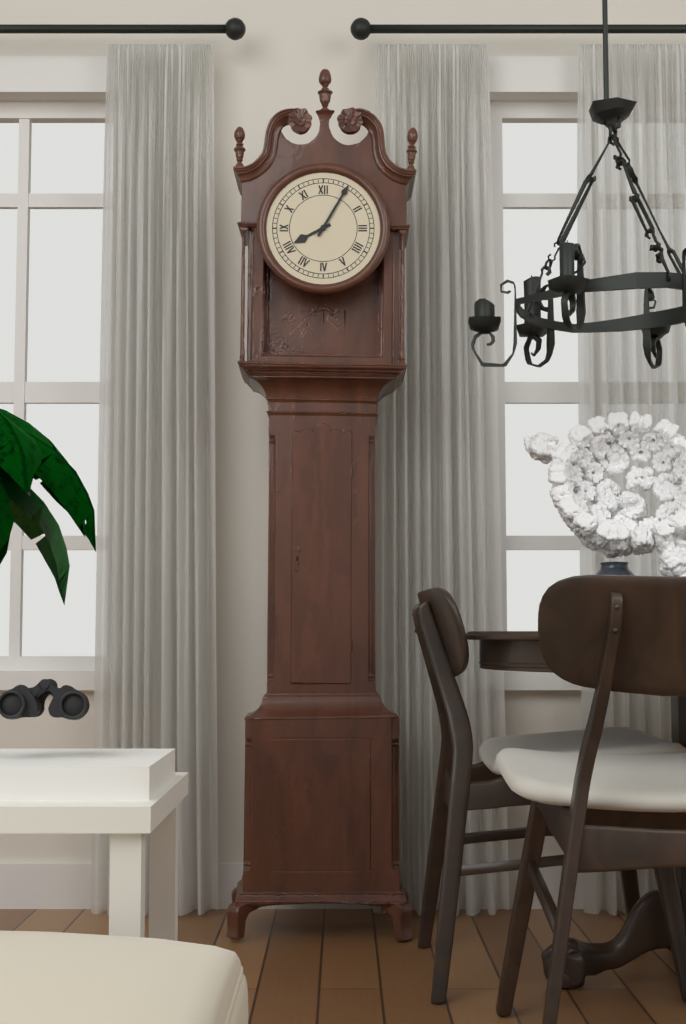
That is h=8 m=5
